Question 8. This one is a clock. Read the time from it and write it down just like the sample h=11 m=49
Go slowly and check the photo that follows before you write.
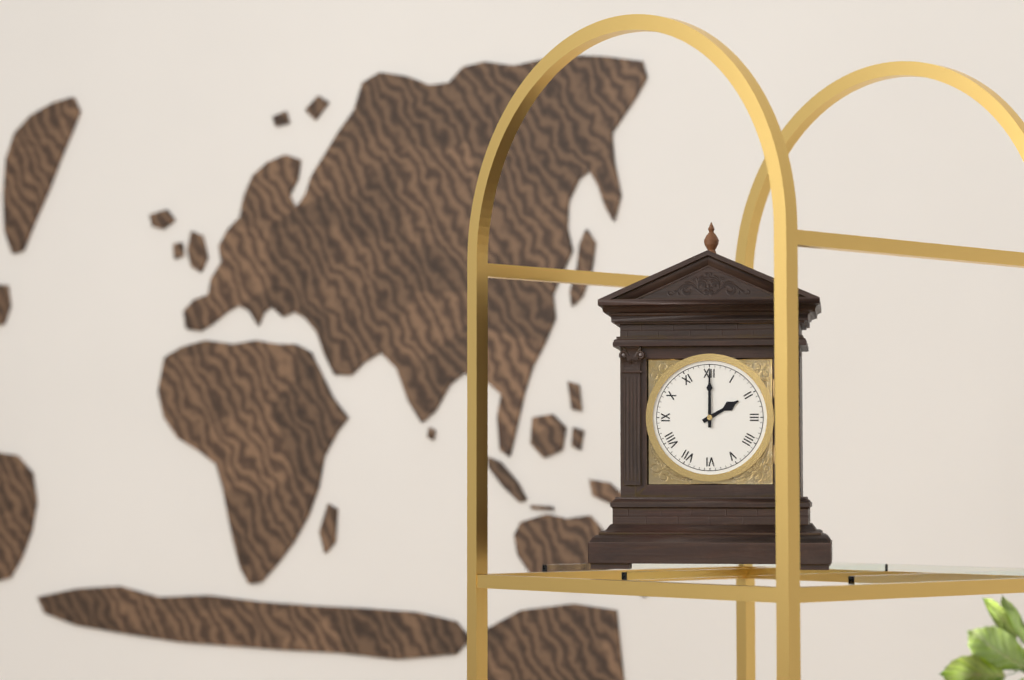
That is h=2 m=0
